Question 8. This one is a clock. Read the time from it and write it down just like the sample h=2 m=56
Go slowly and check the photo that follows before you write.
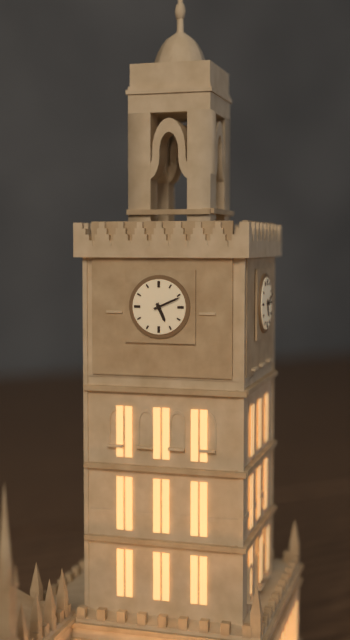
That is h=5 m=11
